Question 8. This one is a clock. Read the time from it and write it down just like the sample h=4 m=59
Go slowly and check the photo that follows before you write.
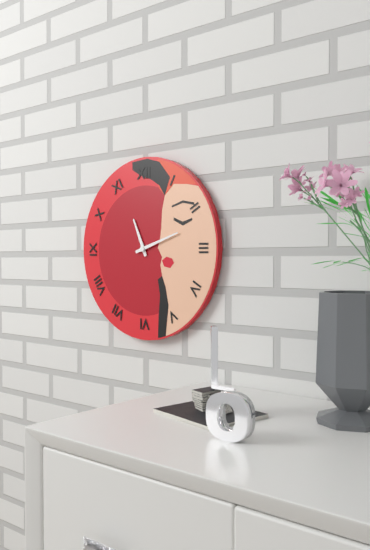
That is h=11 m=12
